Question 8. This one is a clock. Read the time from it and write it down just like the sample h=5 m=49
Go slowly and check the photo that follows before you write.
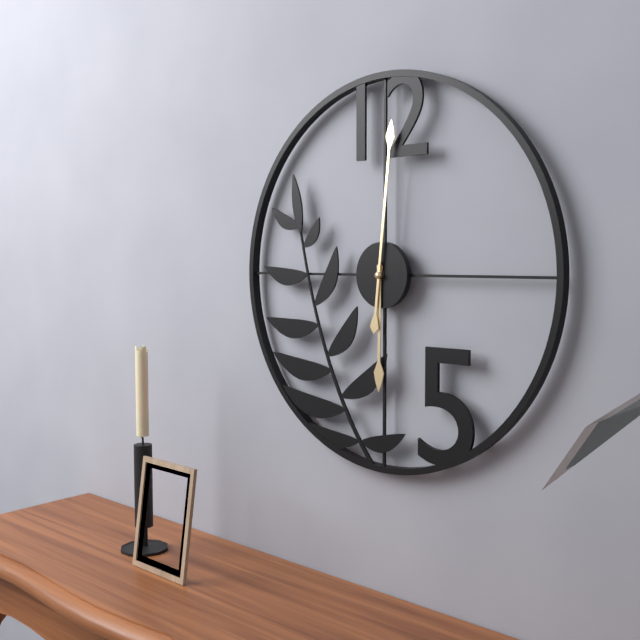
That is h=6 m=1
